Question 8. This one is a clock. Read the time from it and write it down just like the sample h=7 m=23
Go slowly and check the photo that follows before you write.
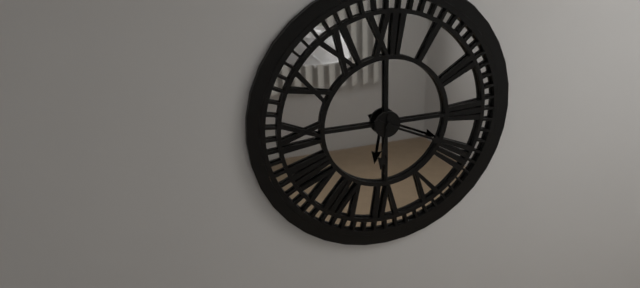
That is h=6 m=19
